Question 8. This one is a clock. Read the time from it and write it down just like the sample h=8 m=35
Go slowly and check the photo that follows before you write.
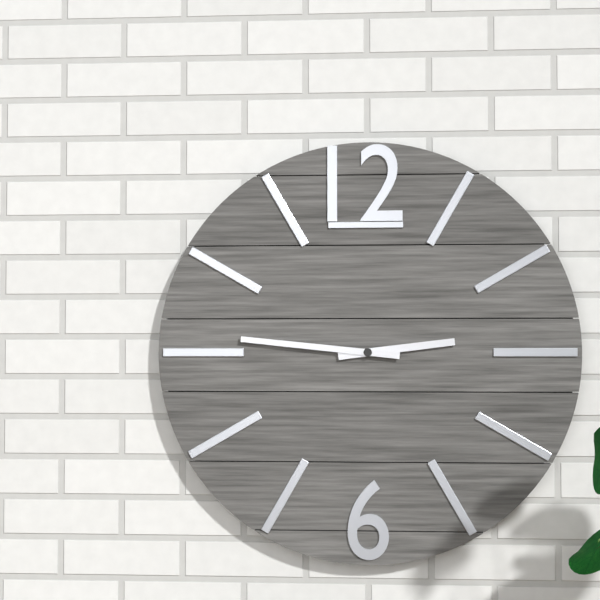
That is h=2 m=46
